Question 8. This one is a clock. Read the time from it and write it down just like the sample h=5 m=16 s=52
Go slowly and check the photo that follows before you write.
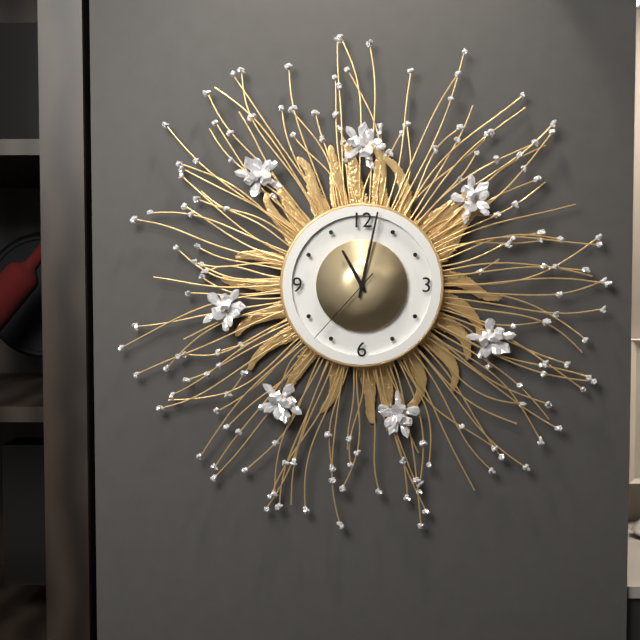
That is h=11 m=2 s=37
